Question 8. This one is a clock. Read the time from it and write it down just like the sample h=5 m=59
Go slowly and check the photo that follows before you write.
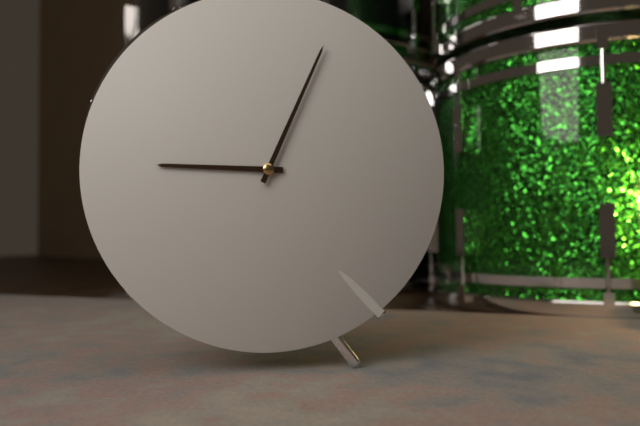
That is h=9 m=4
